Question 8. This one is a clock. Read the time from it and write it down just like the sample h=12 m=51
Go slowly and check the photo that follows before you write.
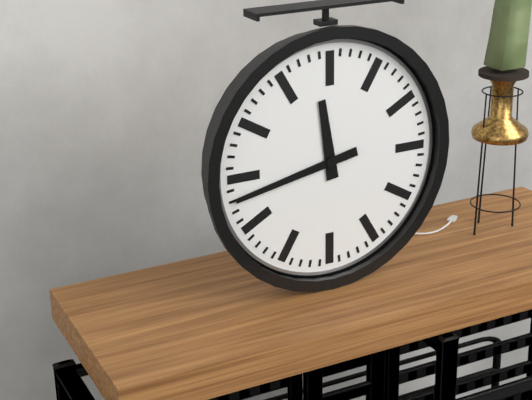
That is h=11 m=43
